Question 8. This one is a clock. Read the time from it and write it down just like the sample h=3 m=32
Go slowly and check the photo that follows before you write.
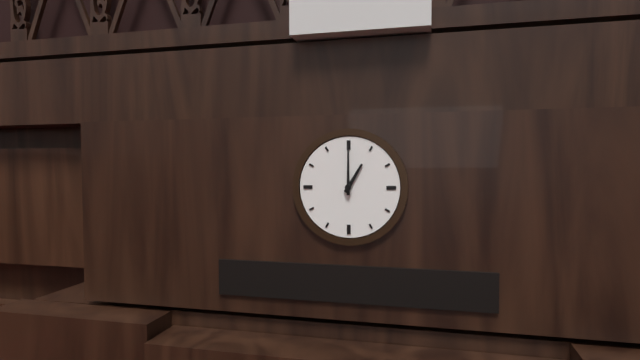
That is h=1 m=0
